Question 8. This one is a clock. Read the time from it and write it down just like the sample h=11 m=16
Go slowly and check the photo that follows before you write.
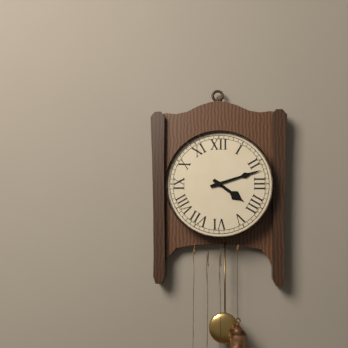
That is h=4 m=12
